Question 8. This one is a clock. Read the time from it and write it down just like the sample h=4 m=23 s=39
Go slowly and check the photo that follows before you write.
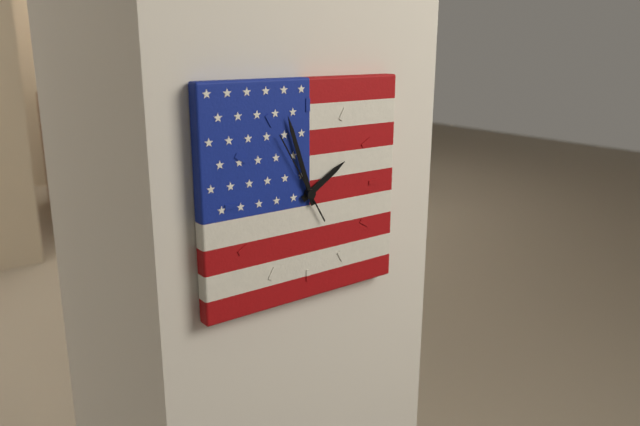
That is h=1 m=57 s=55
